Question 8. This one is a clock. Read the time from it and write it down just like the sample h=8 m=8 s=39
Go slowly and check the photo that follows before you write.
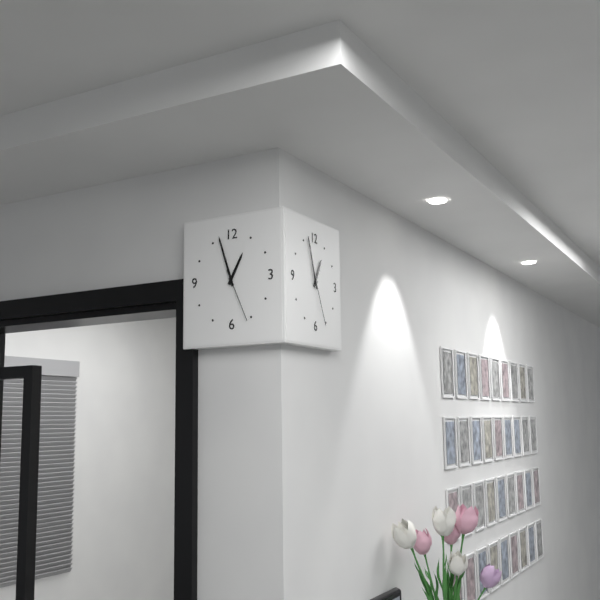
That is h=12 m=57 s=26
